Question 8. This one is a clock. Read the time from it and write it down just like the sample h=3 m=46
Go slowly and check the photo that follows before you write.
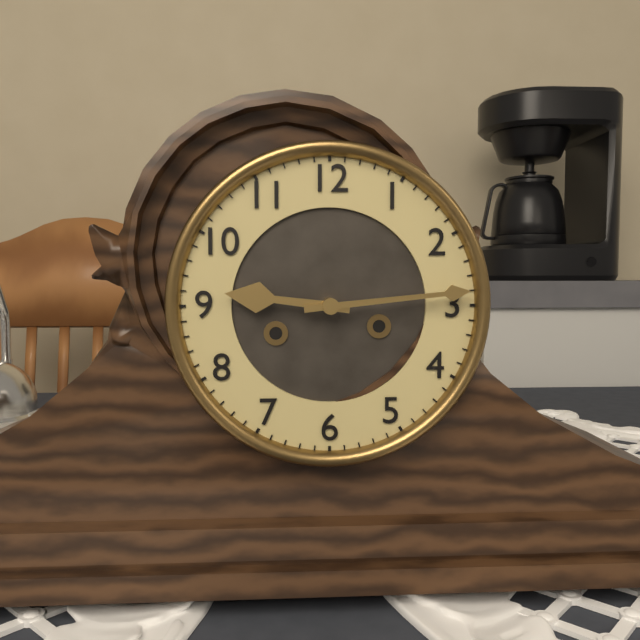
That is h=9 m=14
